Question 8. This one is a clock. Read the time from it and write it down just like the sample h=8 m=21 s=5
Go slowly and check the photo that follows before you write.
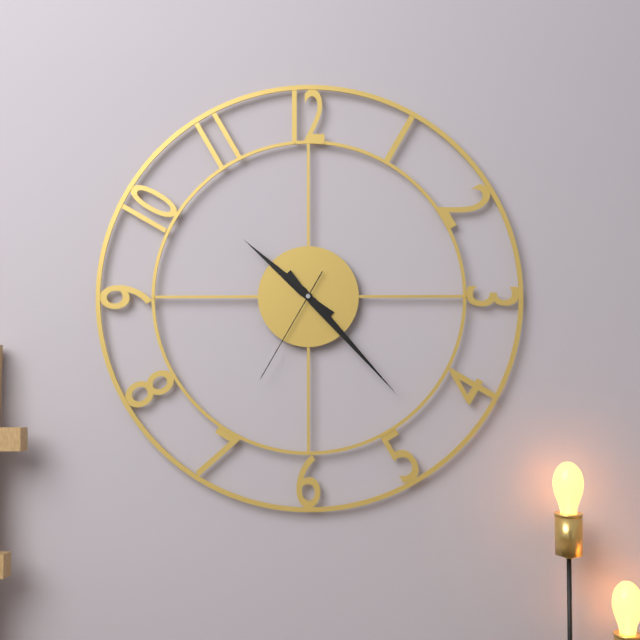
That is h=10 m=23 s=35
